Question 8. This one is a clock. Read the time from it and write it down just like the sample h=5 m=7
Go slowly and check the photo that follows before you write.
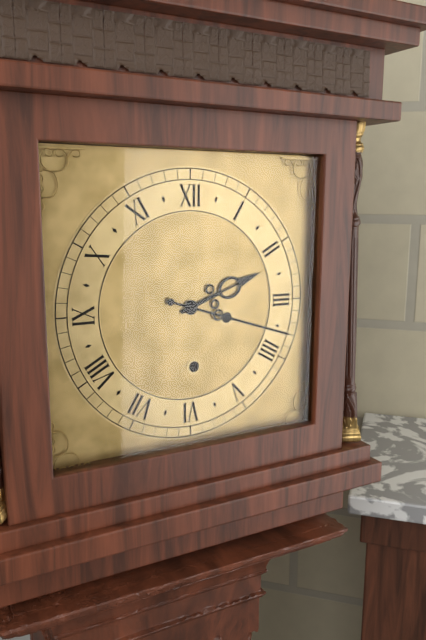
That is h=2 m=18
